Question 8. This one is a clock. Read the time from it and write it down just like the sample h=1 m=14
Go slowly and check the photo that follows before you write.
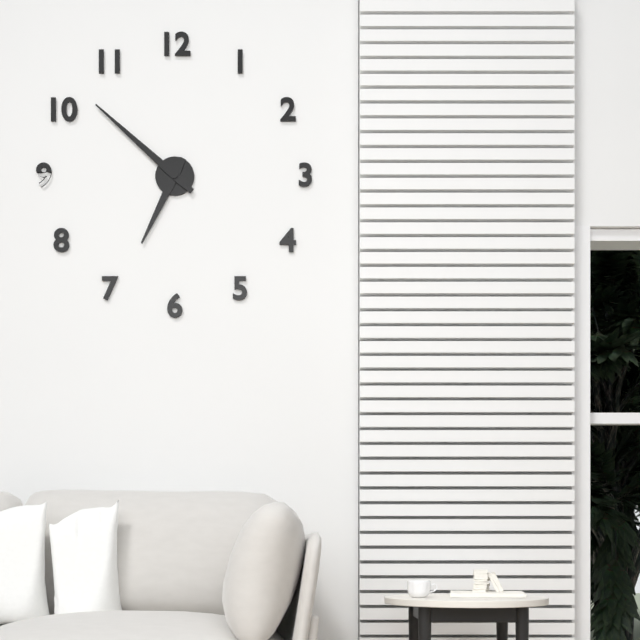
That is h=6 m=52
